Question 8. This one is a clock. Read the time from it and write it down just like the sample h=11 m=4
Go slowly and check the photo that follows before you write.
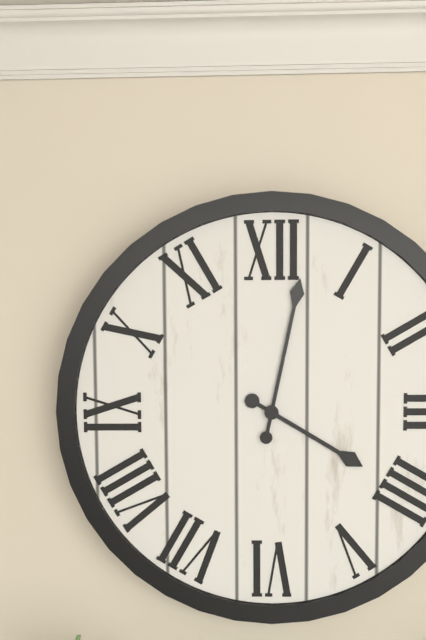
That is h=4 m=2
